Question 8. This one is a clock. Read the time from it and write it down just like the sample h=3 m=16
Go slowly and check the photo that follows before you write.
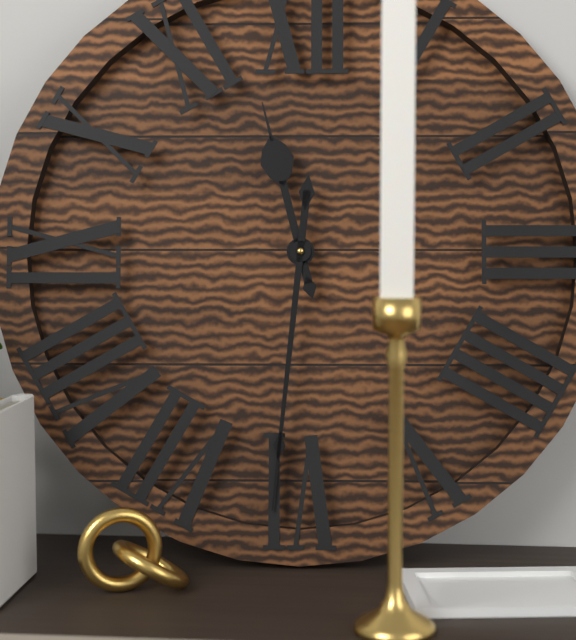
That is h=11 m=31
